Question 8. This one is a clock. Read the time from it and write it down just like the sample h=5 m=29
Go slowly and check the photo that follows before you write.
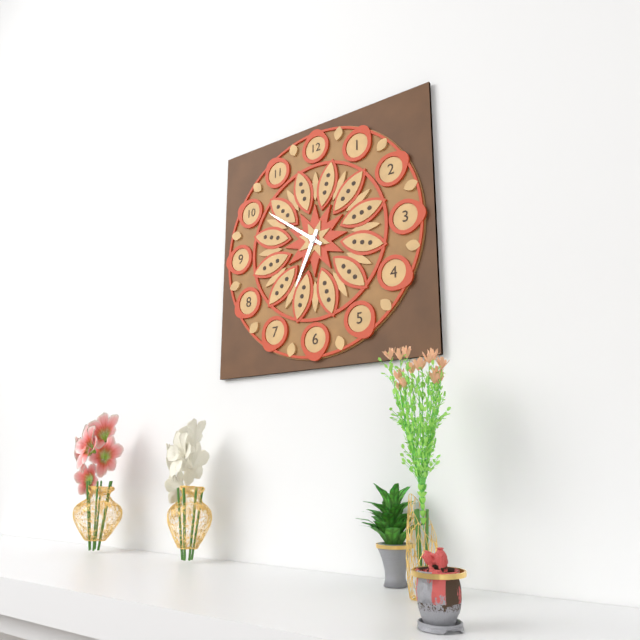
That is h=6 m=51
